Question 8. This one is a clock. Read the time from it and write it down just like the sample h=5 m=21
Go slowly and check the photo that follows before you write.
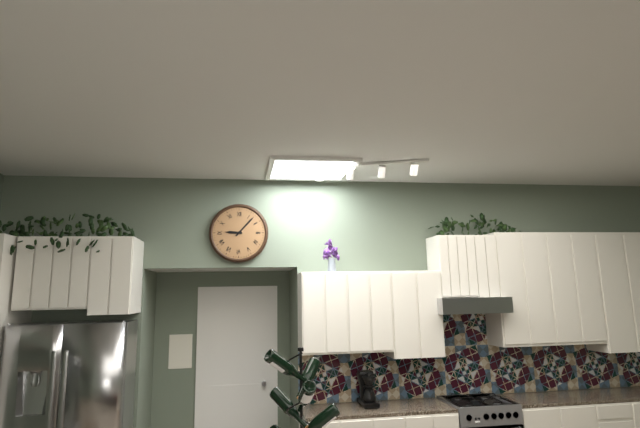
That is h=9 m=7
